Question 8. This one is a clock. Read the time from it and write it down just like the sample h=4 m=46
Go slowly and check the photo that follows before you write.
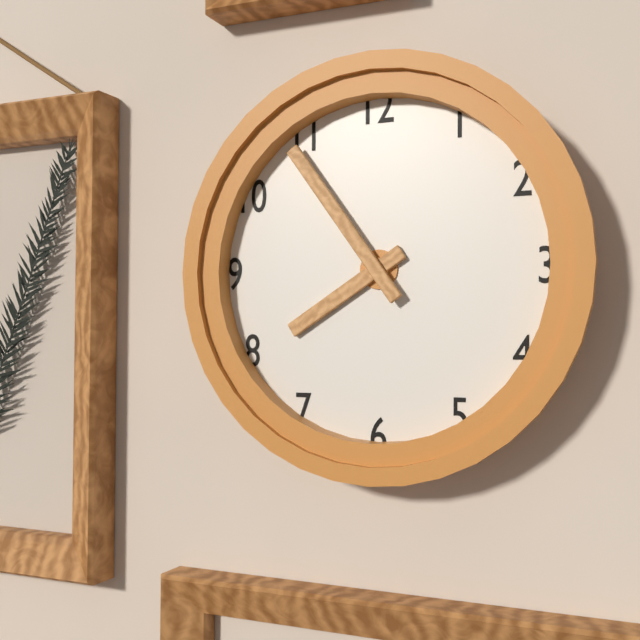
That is h=7 m=54
